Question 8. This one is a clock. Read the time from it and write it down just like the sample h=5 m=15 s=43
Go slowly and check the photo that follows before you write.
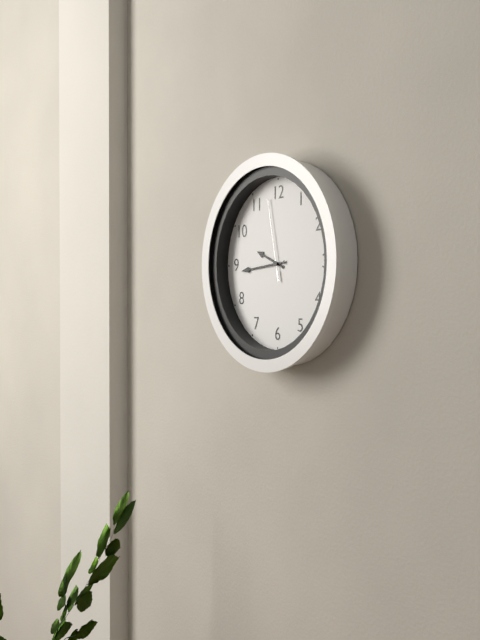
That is h=9 m=44 s=58
